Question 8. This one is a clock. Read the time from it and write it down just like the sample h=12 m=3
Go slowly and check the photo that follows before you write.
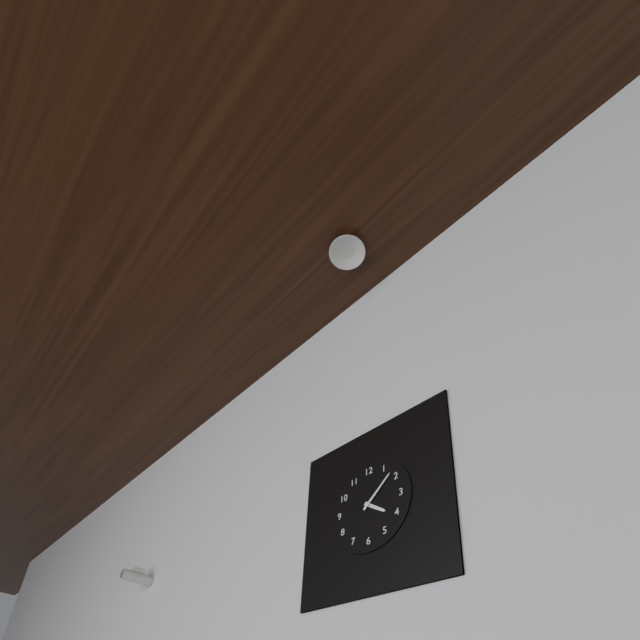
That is h=4 m=8
